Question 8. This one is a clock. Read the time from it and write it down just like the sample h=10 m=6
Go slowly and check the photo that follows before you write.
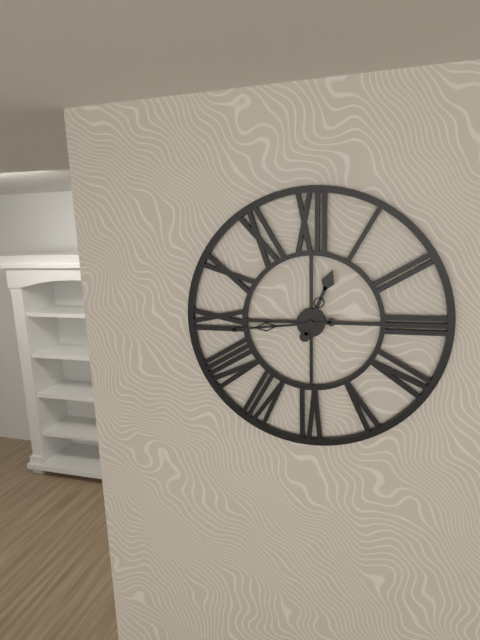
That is h=12 m=44
